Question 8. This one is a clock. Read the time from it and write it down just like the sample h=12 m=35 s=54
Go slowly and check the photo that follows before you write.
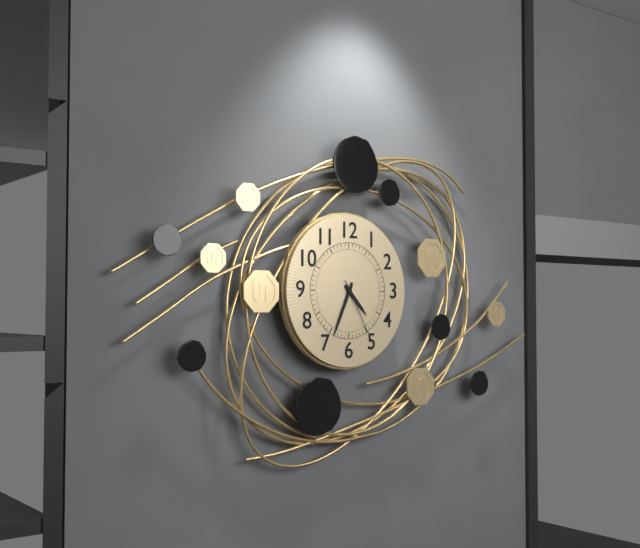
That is h=4 m=34 s=25
